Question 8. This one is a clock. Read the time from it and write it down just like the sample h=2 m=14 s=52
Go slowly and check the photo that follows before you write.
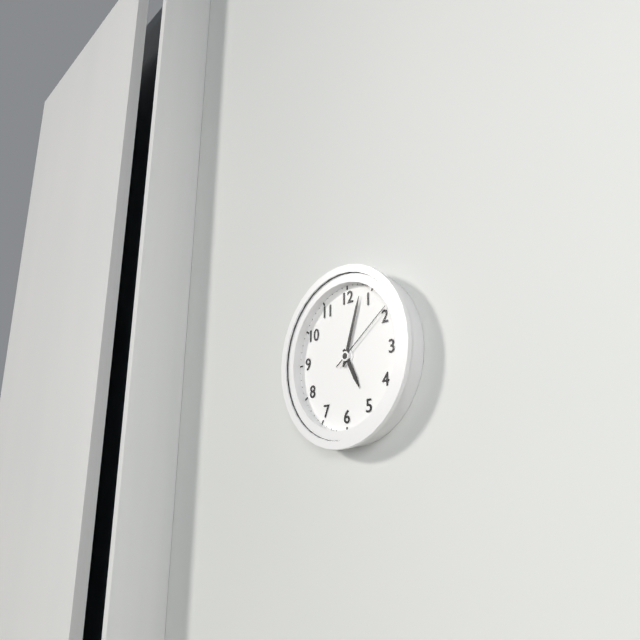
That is h=5 m=3 s=9
